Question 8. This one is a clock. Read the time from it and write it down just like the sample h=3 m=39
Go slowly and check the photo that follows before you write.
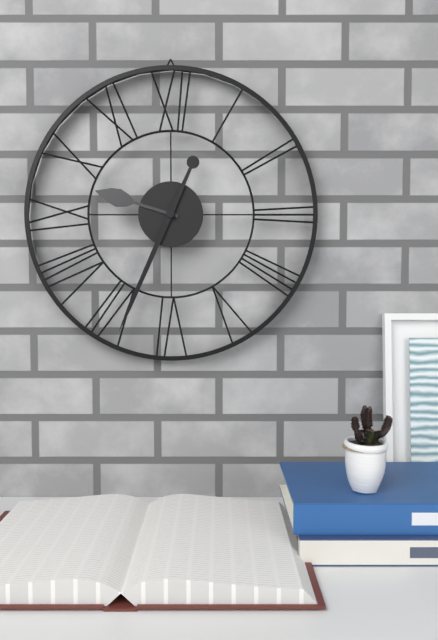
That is h=9 m=34
